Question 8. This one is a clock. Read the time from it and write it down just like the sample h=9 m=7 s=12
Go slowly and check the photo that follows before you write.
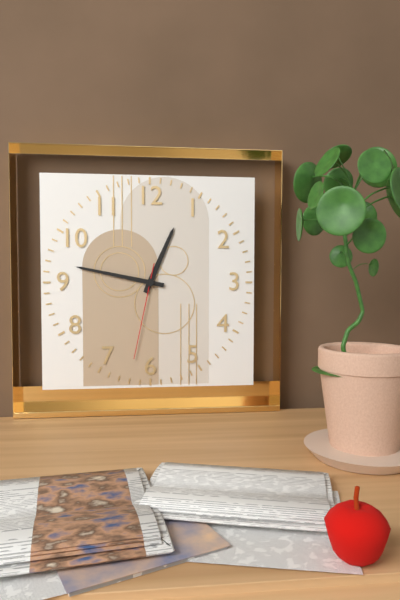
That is h=12 m=47 s=32
